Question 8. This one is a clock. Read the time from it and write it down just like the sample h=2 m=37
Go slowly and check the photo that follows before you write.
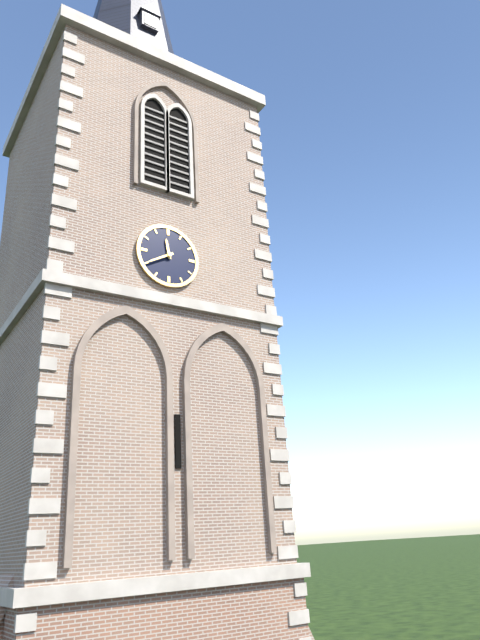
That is h=11 m=40
